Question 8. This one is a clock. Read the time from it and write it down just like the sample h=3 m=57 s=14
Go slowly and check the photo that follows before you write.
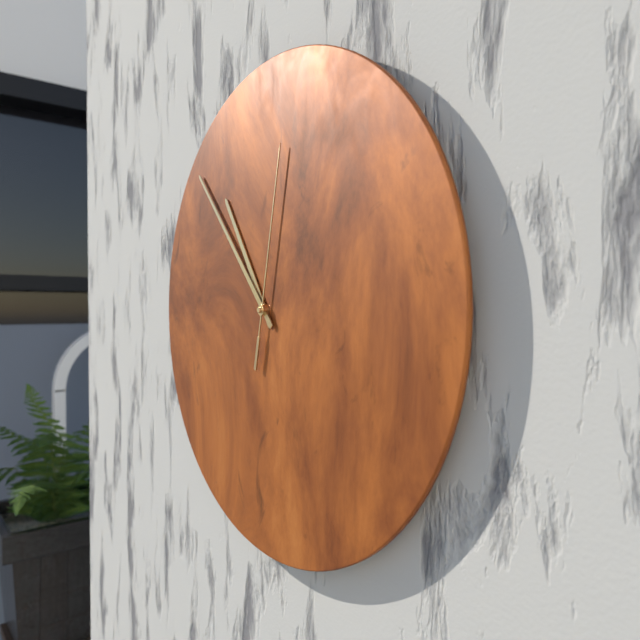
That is h=10 m=53 s=2
